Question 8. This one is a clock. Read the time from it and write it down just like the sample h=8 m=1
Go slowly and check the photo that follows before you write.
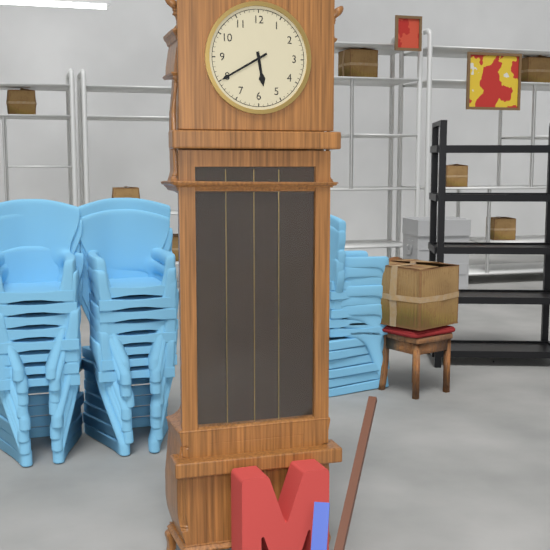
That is h=5 m=40
